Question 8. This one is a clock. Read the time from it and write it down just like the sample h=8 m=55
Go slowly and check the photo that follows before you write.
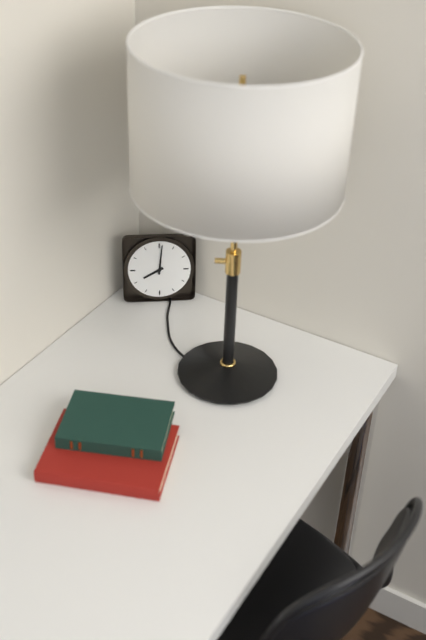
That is h=8 m=1
